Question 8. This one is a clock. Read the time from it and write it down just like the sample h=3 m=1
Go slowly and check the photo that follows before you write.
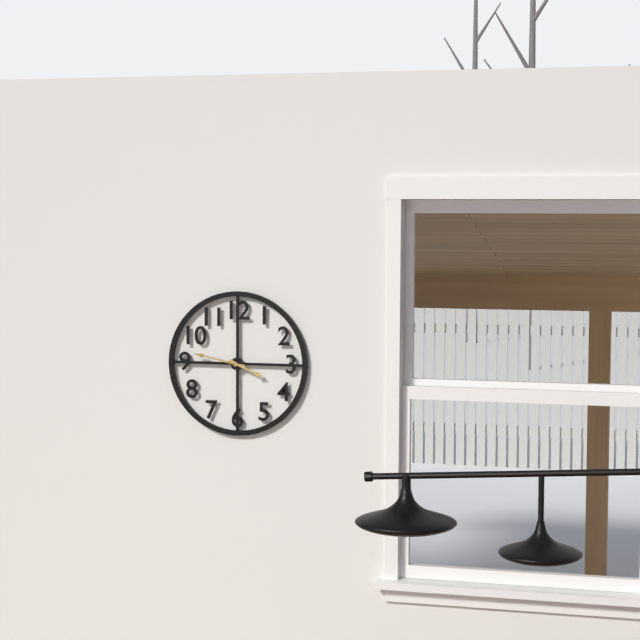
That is h=3 m=47
